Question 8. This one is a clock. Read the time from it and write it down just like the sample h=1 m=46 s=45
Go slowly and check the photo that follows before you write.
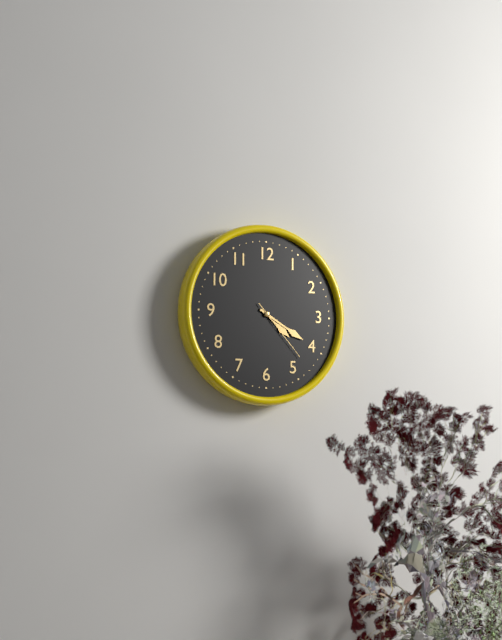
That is h=4 m=20 s=23
